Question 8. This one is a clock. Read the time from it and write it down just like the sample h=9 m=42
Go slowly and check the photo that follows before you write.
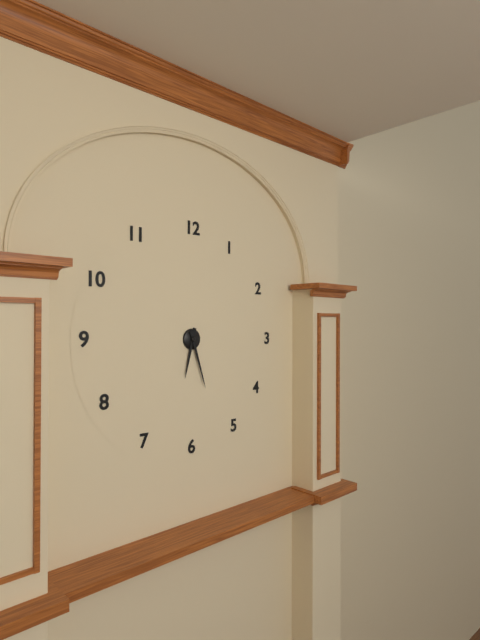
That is h=6 m=27
